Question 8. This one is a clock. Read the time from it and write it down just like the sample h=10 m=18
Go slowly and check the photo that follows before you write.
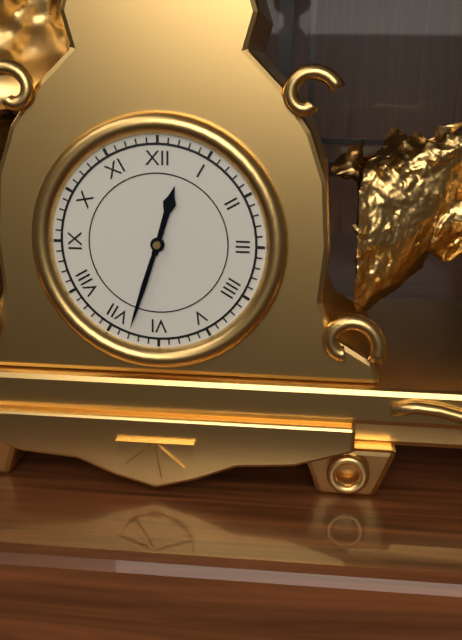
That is h=12 m=33
